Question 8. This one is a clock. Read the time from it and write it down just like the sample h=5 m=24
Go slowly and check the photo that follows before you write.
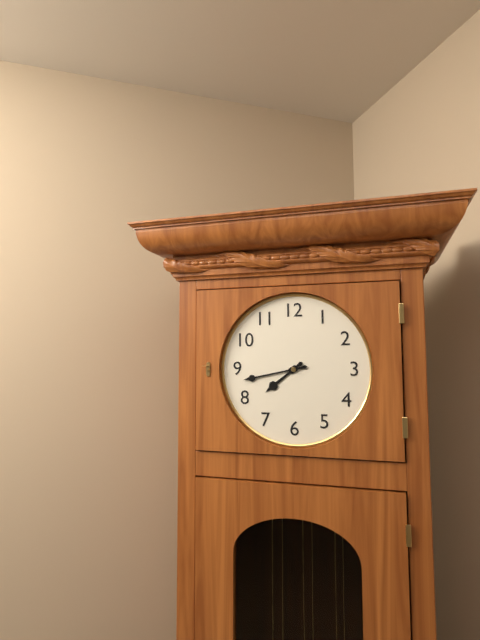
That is h=7 m=43
